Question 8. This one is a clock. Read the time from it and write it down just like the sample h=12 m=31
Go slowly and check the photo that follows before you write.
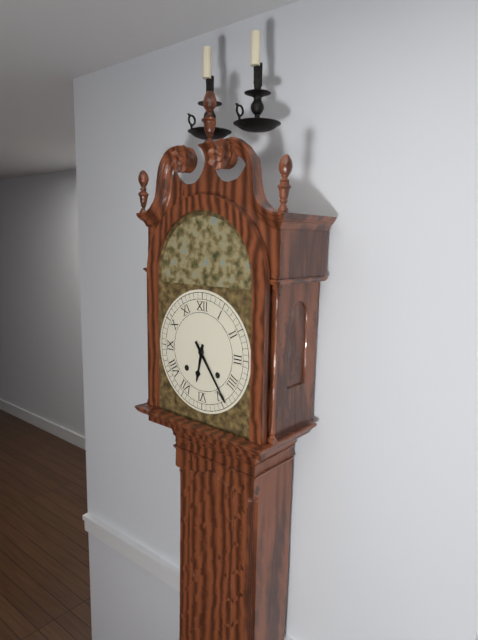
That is h=6 m=24
